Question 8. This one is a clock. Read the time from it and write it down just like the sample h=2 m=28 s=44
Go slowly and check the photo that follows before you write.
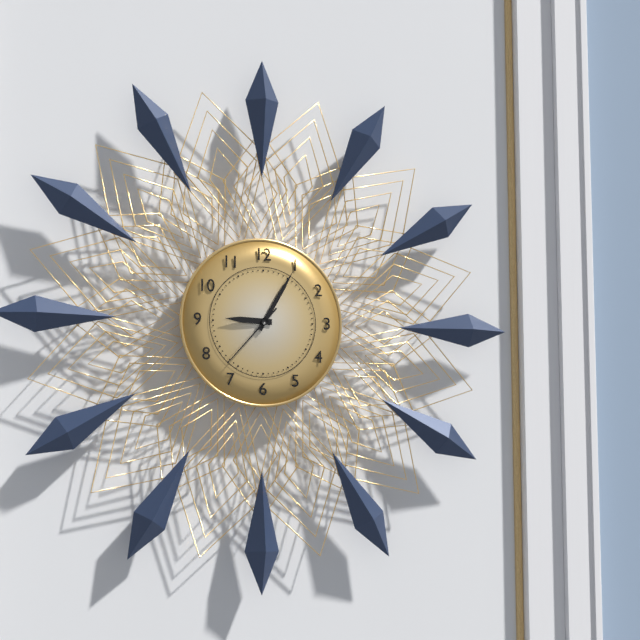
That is h=9 m=5 s=37
